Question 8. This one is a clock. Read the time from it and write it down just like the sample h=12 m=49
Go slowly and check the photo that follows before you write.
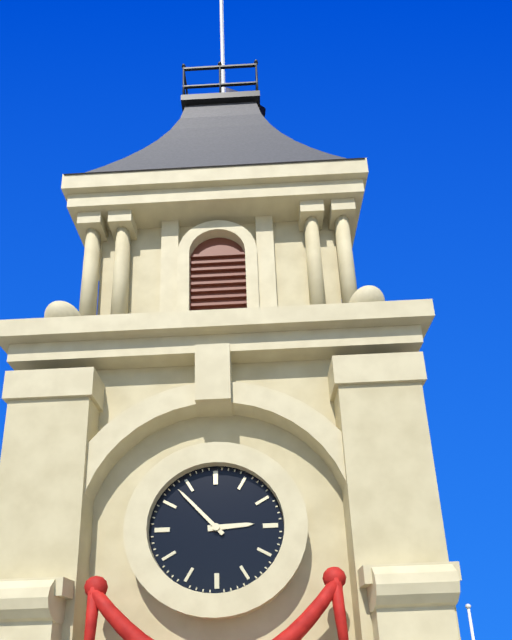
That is h=2 m=53
